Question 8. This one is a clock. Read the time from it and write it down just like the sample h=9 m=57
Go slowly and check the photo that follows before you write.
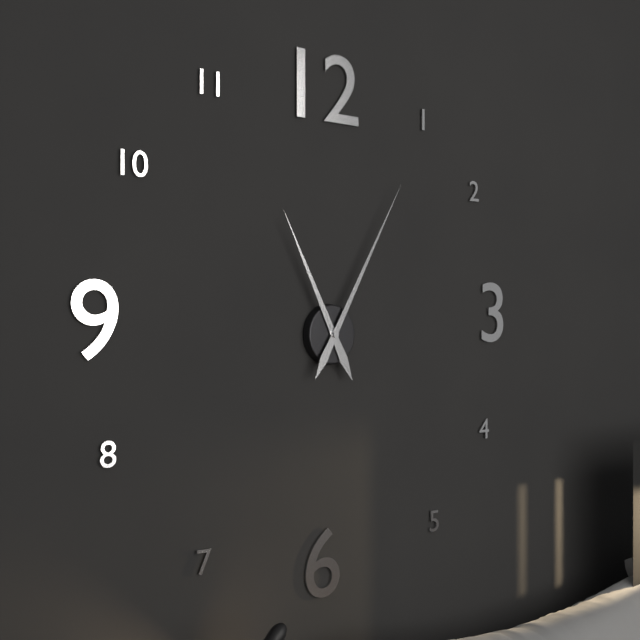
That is h=11 m=5
